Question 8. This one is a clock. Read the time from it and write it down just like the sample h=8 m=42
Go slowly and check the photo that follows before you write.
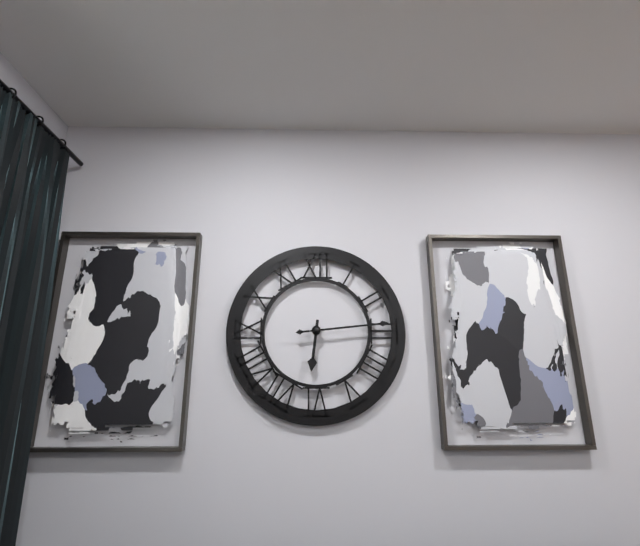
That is h=6 m=14
